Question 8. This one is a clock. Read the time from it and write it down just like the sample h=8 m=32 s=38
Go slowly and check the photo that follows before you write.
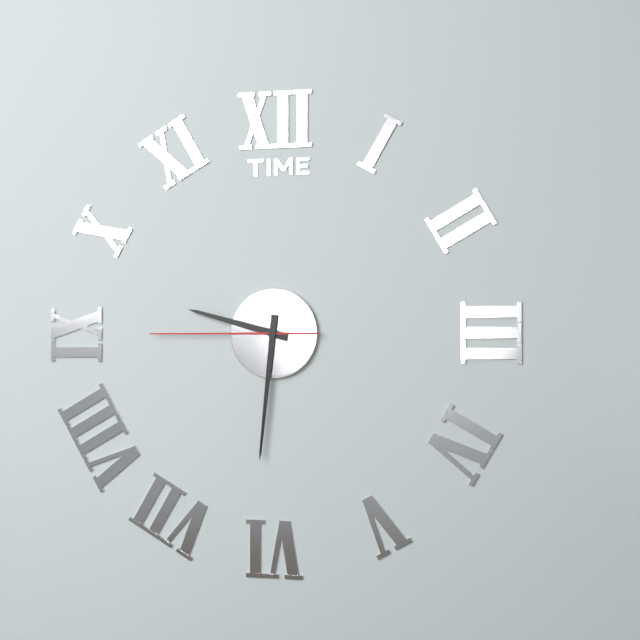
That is h=9 m=31 s=45
